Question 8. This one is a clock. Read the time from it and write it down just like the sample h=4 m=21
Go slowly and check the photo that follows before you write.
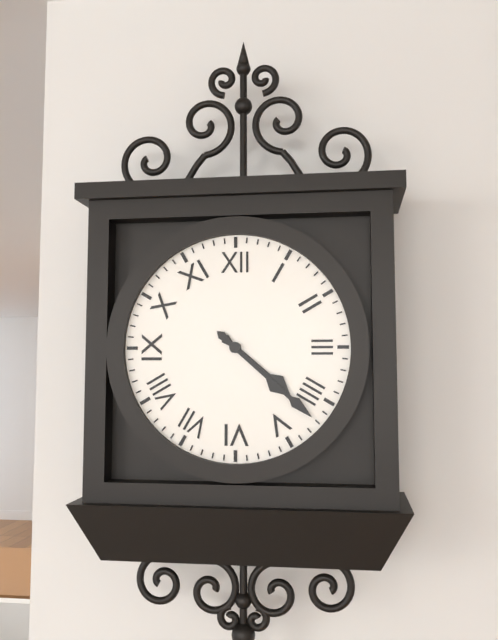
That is h=4 m=22
